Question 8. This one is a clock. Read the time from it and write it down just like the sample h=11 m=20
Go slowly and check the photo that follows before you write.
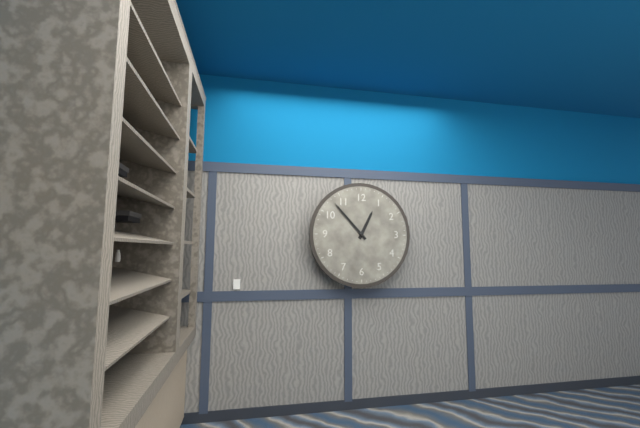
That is h=12 m=53
